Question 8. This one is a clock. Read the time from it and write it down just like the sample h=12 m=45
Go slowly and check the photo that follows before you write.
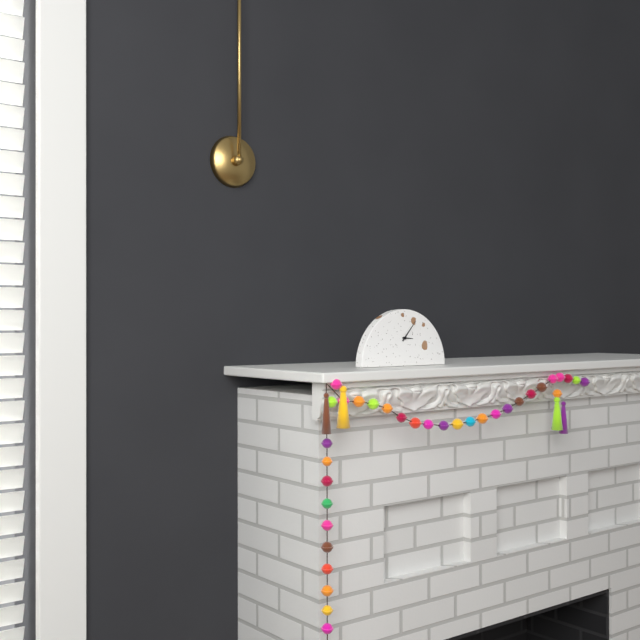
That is h=3 m=7
